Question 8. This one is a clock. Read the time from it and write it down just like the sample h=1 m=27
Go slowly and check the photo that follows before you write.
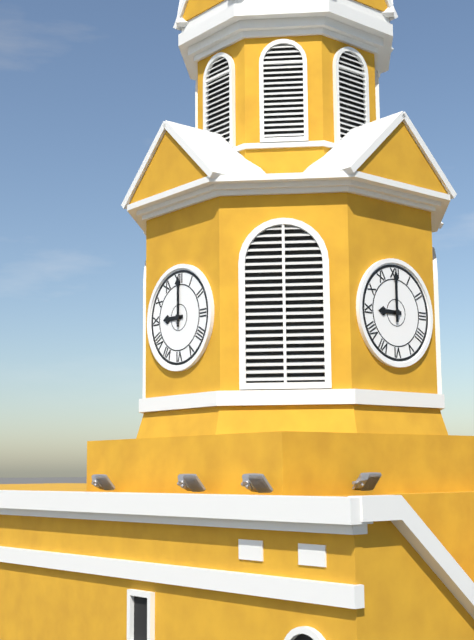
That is h=9 m=0
